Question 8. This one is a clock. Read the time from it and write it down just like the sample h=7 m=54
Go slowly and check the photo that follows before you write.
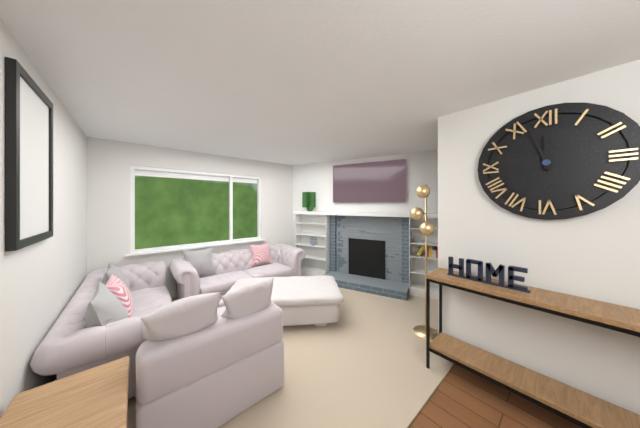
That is h=11 m=57
